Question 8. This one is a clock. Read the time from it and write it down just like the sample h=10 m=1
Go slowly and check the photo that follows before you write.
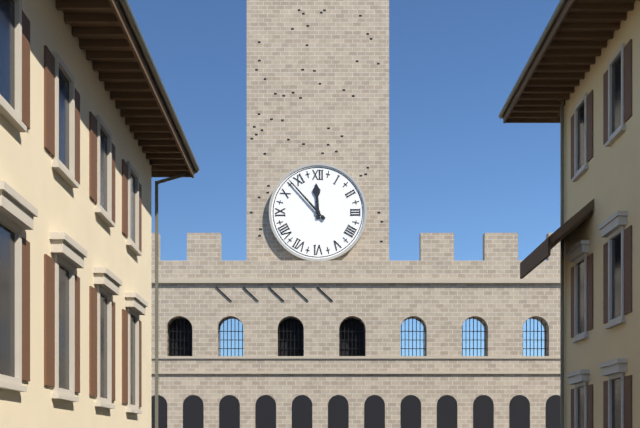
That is h=11 m=53
